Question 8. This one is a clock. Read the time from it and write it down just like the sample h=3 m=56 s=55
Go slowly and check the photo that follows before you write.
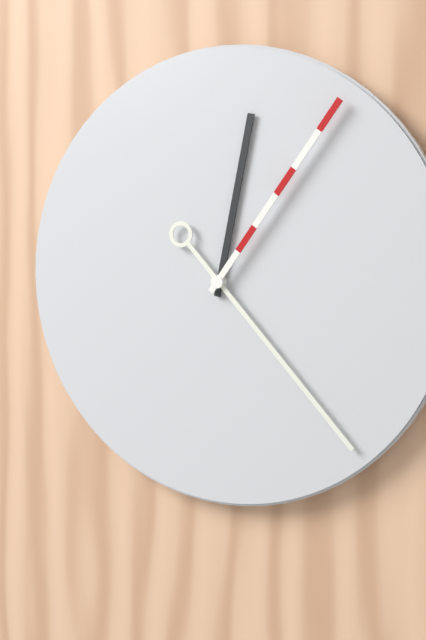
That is h=12 m=23 s=6
